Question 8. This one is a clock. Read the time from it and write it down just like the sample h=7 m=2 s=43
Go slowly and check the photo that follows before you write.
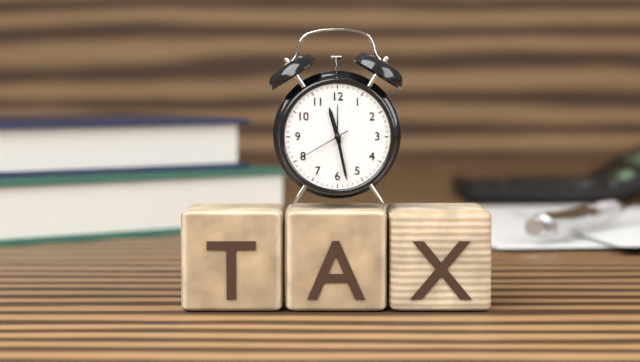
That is h=11 m=28 s=40
